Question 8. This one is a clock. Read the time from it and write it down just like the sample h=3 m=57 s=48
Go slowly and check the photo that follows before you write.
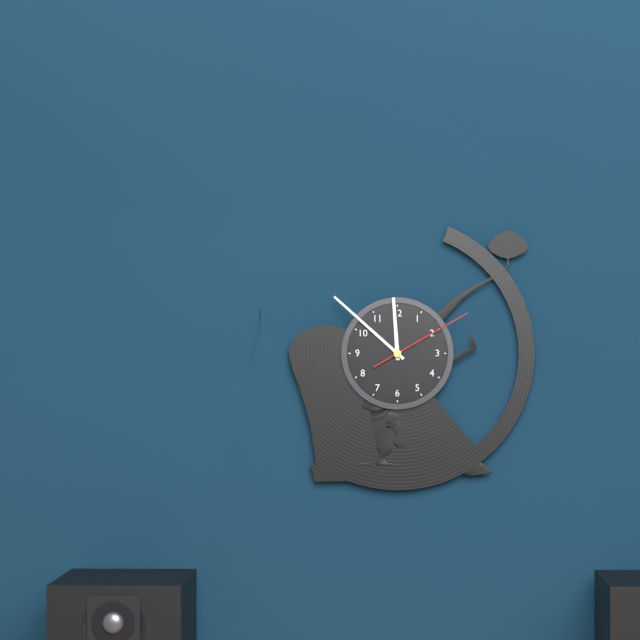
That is h=11 m=52 s=10
